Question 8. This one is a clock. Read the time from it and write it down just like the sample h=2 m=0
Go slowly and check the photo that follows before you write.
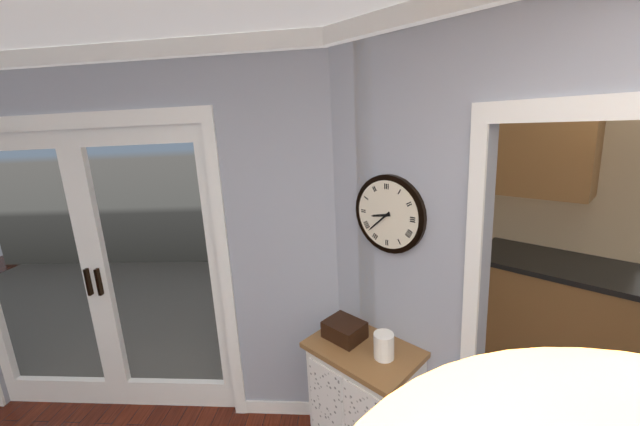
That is h=8 m=38
